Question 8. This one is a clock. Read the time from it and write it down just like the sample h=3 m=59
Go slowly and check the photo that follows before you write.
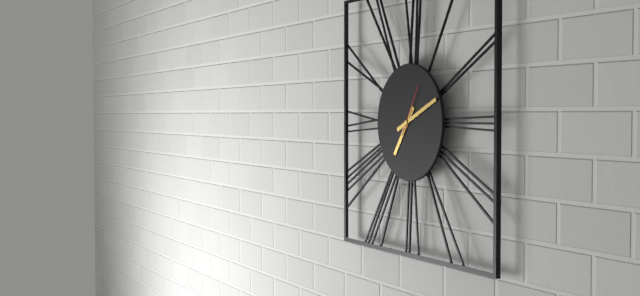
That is h=7 m=11
